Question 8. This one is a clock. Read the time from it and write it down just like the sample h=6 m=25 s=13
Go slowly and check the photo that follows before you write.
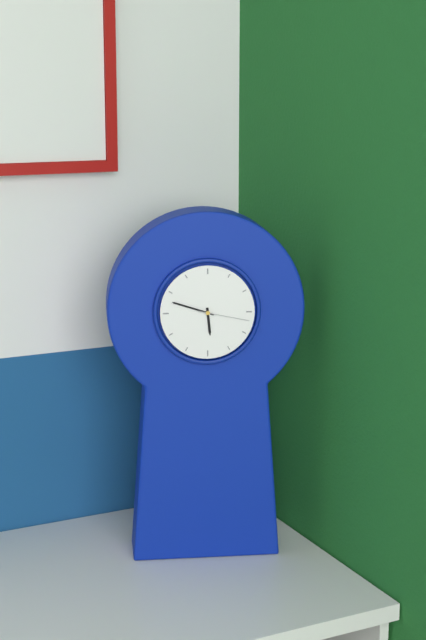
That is h=5 m=48 s=17
